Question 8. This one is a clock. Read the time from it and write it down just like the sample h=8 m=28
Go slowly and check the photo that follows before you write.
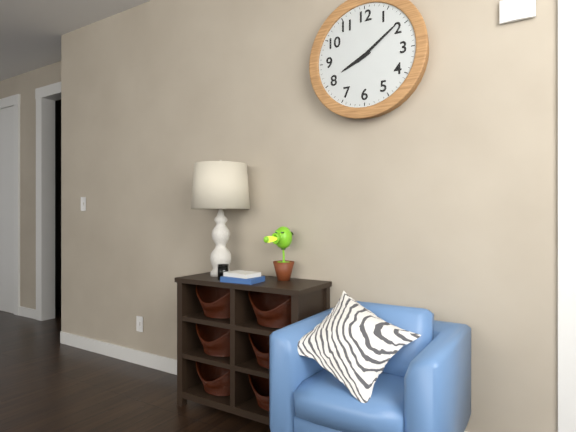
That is h=8 m=9
